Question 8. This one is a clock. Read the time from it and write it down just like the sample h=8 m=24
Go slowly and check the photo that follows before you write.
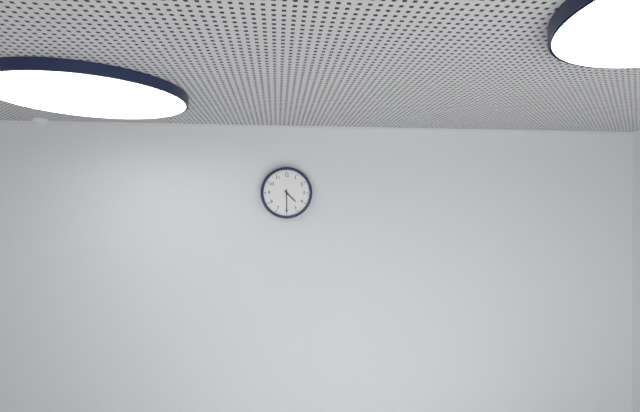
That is h=4 m=30
